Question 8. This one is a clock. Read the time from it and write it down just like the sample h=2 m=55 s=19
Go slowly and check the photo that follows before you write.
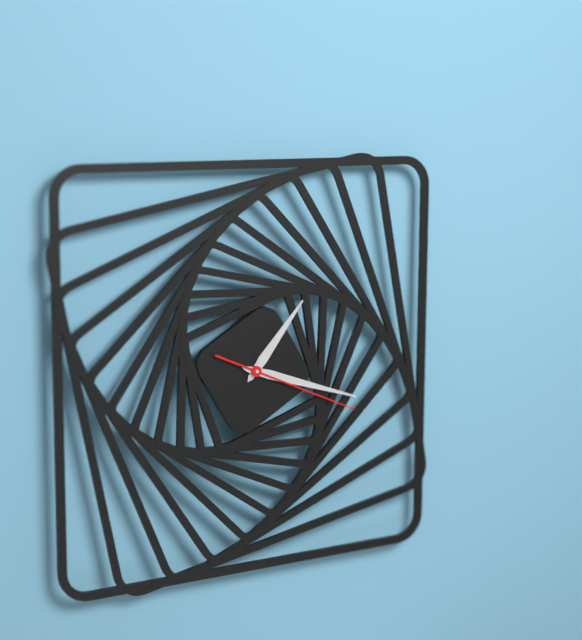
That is h=1 m=18 s=19
